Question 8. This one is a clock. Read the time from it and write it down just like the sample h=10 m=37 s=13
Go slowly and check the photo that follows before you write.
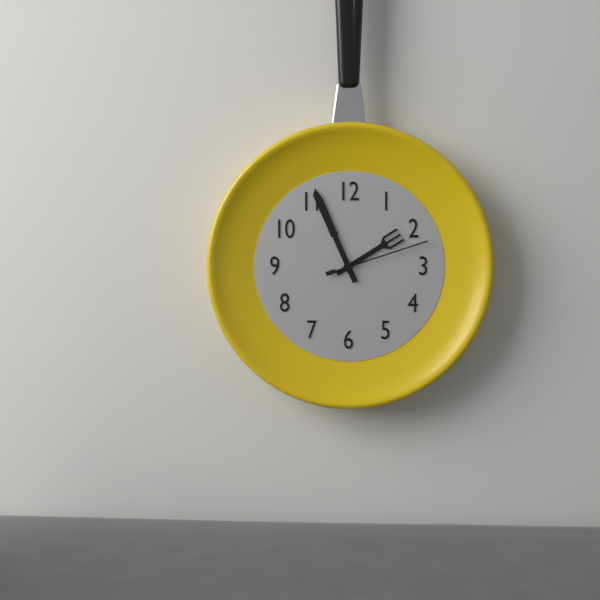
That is h=1 m=56 s=12
